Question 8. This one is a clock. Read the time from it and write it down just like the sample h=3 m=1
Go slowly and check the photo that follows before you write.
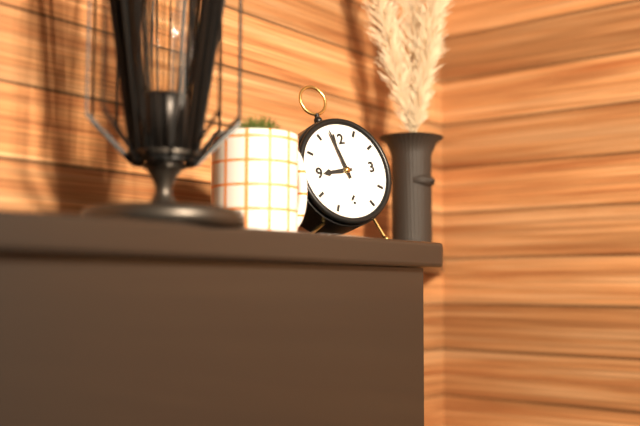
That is h=8 m=58
